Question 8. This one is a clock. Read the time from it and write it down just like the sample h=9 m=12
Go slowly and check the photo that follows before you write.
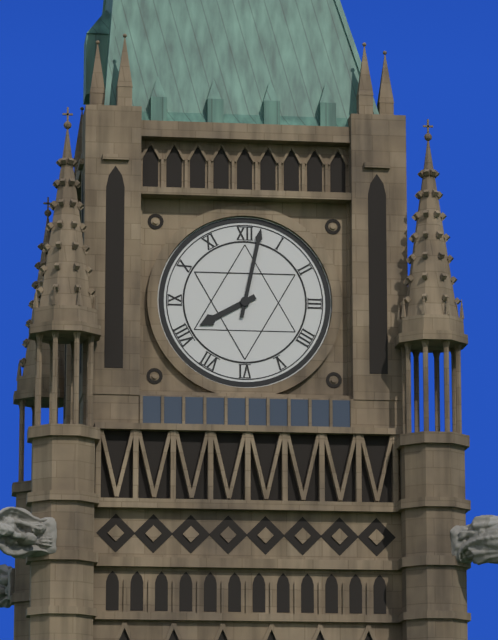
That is h=8 m=2
